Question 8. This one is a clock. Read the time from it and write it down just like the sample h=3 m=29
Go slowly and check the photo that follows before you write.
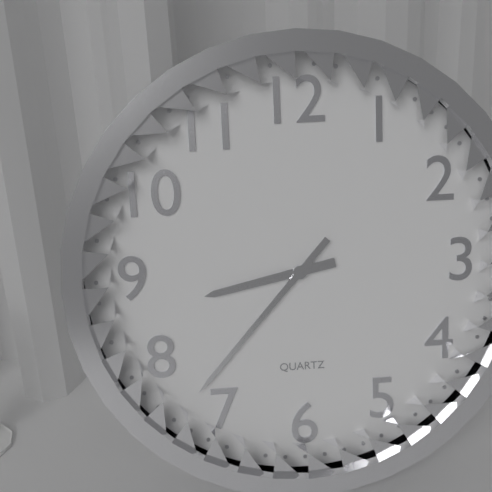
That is h=8 m=37
